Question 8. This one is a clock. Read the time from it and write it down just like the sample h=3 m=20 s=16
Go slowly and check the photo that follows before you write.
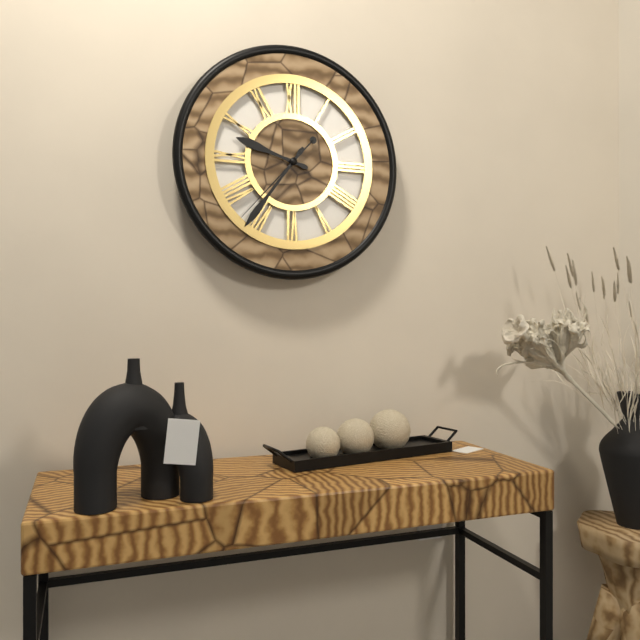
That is h=9 m=36 s=37
